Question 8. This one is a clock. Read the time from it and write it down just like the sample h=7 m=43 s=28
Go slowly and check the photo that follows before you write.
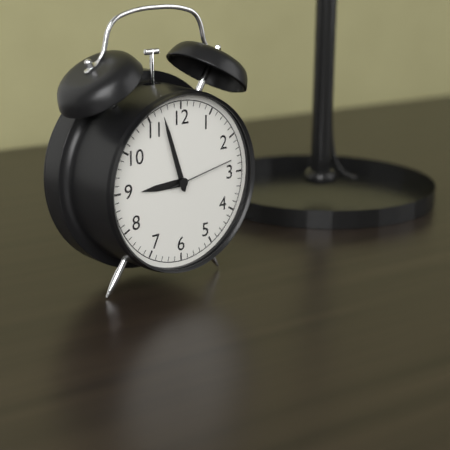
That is h=8 m=57 s=13
